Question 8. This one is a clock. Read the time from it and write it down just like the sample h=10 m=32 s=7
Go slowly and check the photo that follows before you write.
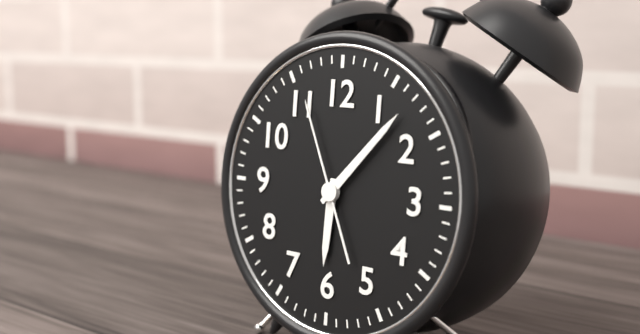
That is h=6 m=7 s=56
